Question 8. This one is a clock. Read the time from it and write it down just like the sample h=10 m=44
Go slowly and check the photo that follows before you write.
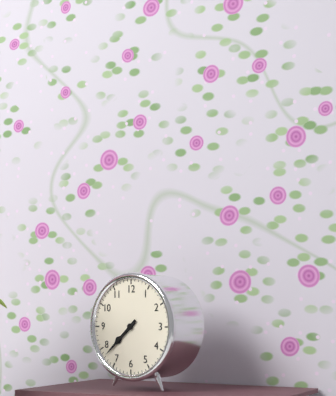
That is h=7 m=38
